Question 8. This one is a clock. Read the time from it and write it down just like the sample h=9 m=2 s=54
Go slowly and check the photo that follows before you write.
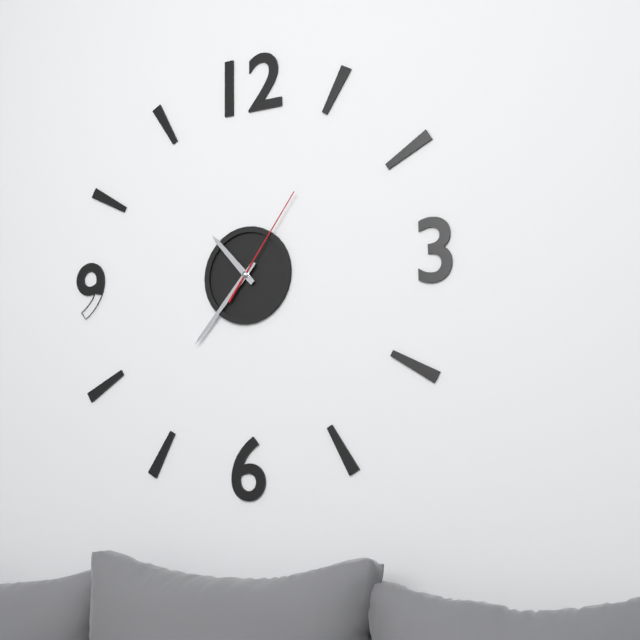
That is h=10 m=37 s=6
